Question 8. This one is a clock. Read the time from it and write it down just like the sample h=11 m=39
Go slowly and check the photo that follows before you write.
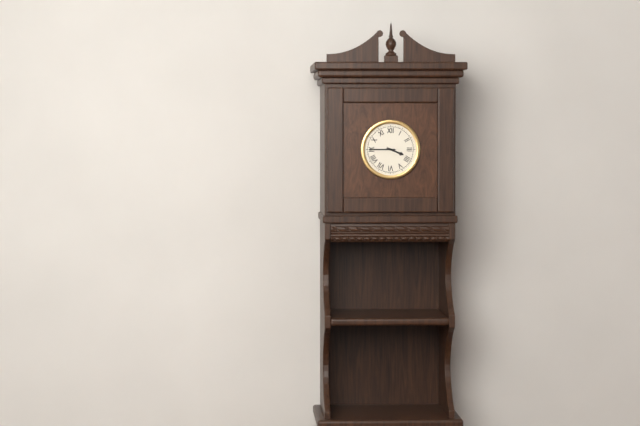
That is h=3 m=45
